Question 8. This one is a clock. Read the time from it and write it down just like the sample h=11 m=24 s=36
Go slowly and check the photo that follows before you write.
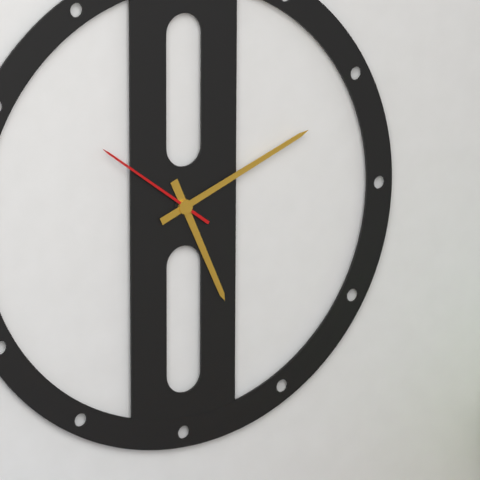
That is h=5 m=11 s=51
